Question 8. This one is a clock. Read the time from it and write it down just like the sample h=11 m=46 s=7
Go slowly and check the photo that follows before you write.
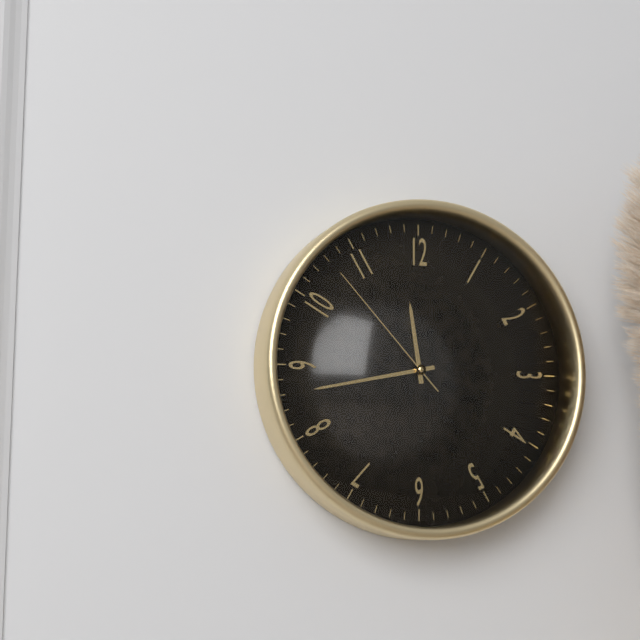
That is h=11 m=43 s=53
